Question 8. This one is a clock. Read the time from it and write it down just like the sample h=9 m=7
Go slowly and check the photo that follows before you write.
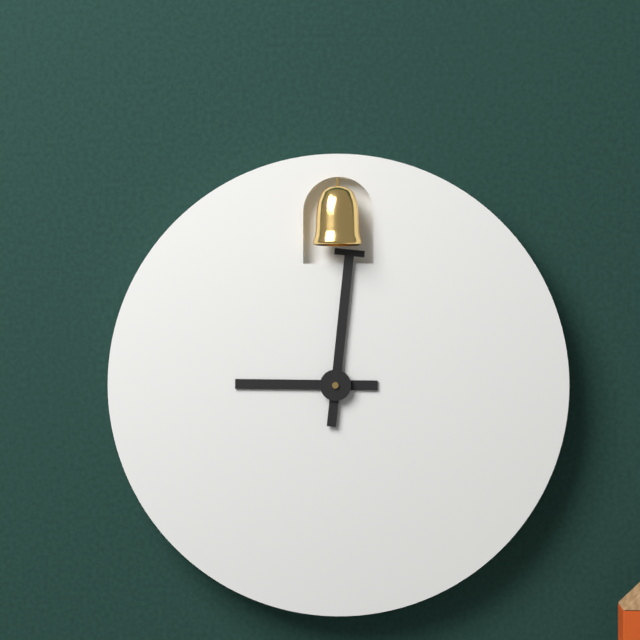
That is h=9 m=1
